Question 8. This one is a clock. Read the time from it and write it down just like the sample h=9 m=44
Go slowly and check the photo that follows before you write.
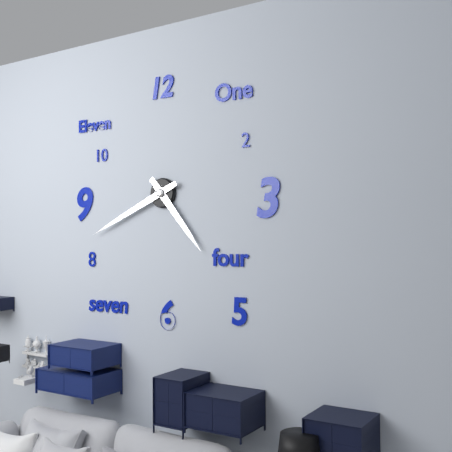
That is h=4 m=41
